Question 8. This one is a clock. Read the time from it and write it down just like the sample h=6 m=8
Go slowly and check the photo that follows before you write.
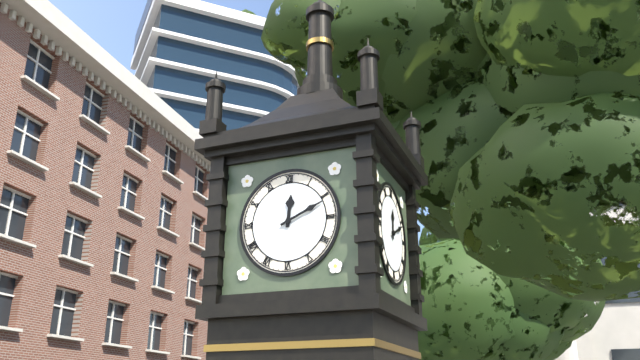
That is h=12 m=11
